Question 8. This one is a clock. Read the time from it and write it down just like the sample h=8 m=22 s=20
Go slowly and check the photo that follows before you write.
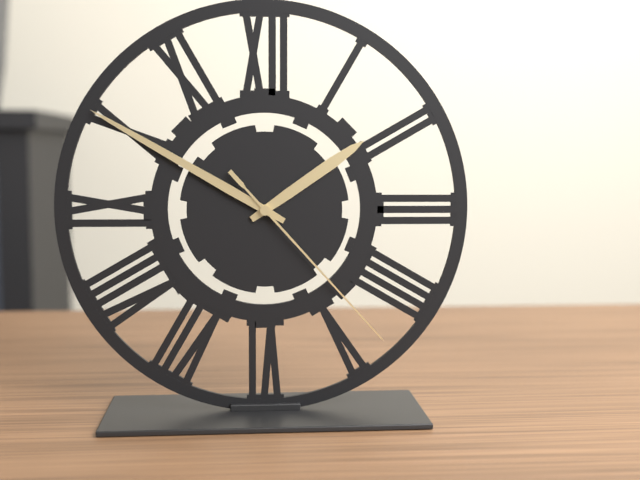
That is h=1 m=50 s=23
